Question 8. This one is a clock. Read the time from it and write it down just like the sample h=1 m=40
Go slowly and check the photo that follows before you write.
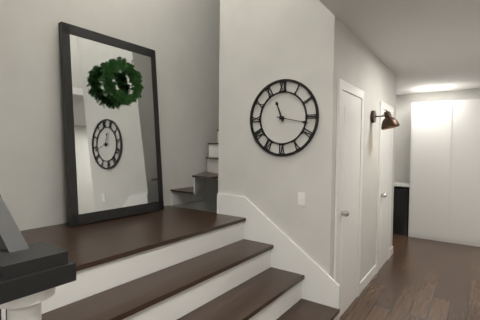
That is h=11 m=17
